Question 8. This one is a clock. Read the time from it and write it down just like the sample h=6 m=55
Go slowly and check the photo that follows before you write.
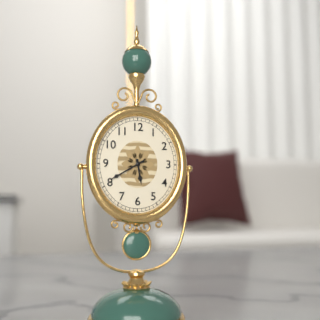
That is h=5 m=40
